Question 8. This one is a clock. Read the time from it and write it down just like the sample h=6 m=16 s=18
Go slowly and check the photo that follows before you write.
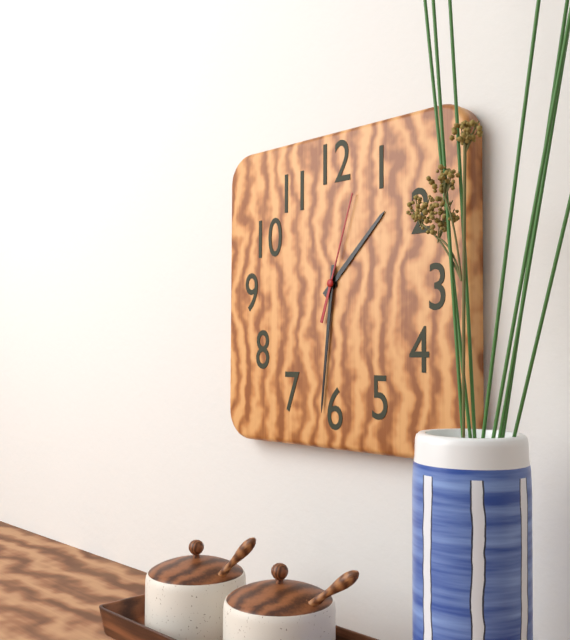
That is h=1 m=31 s=3
